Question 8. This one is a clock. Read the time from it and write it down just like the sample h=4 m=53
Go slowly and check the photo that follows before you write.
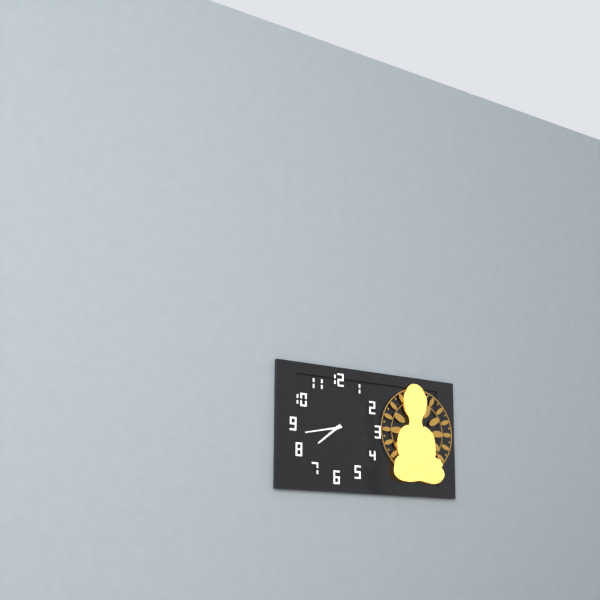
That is h=7 m=43
